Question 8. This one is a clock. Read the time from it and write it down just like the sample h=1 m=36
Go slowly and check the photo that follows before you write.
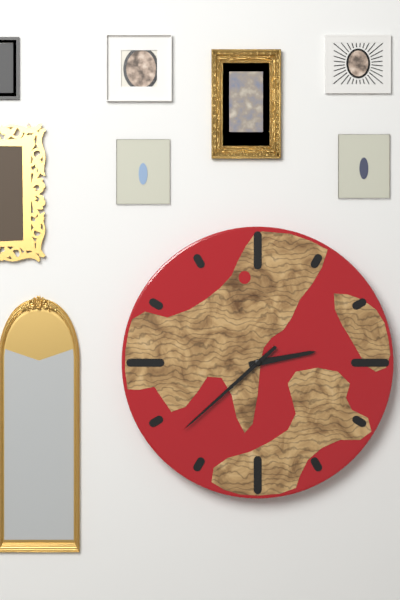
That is h=2 m=38
